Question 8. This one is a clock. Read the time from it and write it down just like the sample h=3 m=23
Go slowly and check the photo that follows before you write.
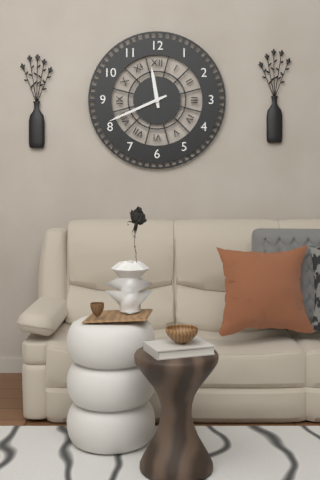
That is h=11 m=41
